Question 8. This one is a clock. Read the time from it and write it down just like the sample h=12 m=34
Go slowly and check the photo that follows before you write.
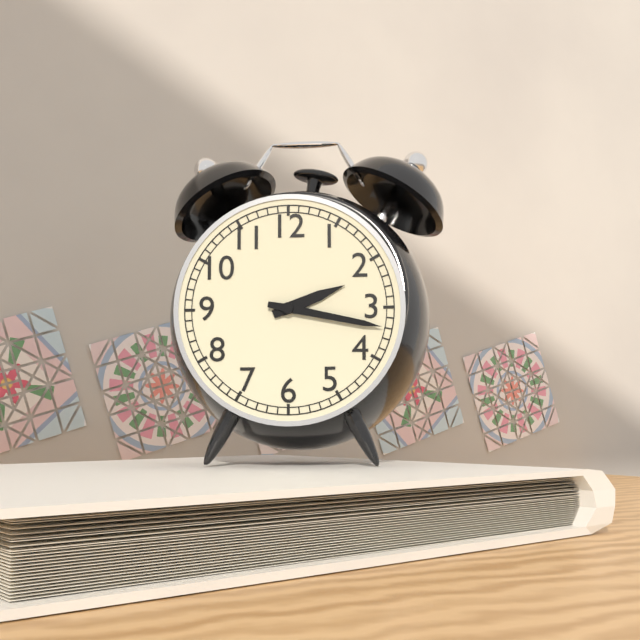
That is h=2 m=17
